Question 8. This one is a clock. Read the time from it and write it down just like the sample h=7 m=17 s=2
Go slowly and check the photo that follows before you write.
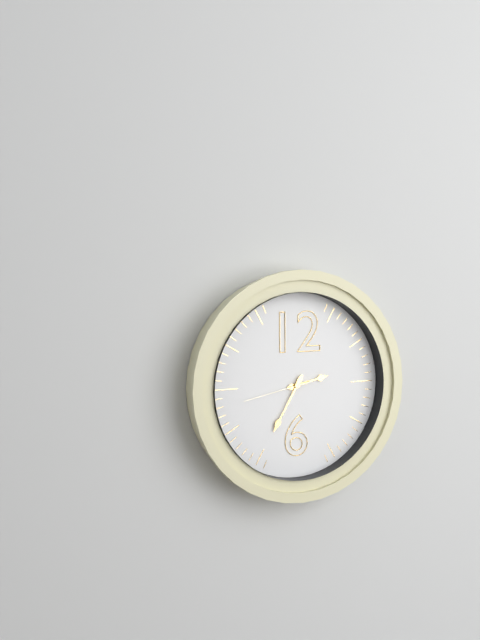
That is h=2 m=35 s=43
